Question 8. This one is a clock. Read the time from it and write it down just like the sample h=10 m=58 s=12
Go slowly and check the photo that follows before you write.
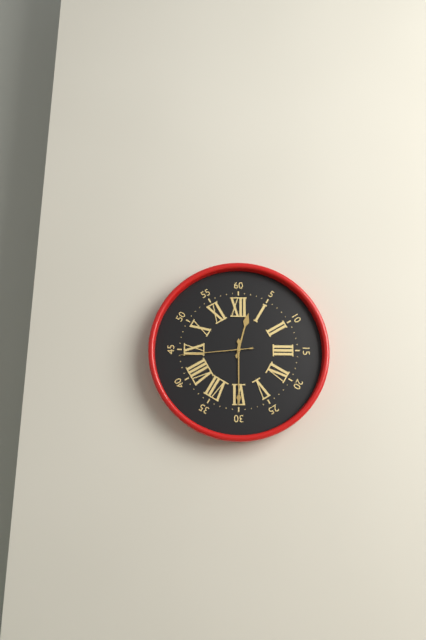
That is h=12 m=30 s=44
